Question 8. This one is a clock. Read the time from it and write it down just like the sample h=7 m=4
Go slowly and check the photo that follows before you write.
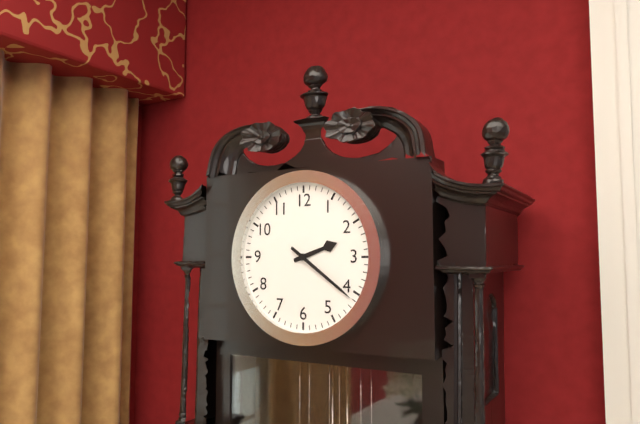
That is h=2 m=21
